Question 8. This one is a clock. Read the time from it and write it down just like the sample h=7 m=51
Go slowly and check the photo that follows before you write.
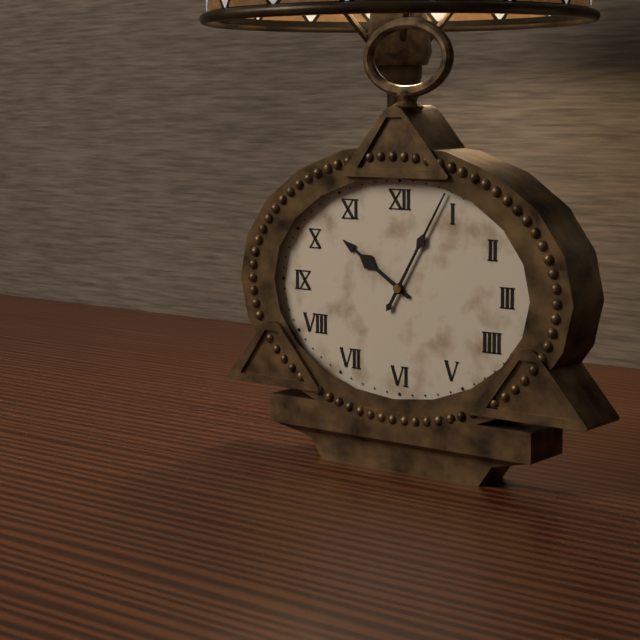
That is h=10 m=5
